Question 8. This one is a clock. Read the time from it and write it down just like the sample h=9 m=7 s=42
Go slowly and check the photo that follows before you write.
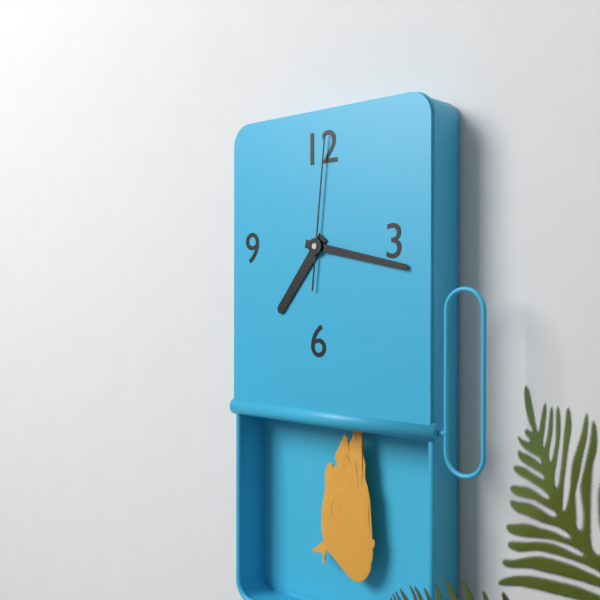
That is h=7 m=17 s=1
